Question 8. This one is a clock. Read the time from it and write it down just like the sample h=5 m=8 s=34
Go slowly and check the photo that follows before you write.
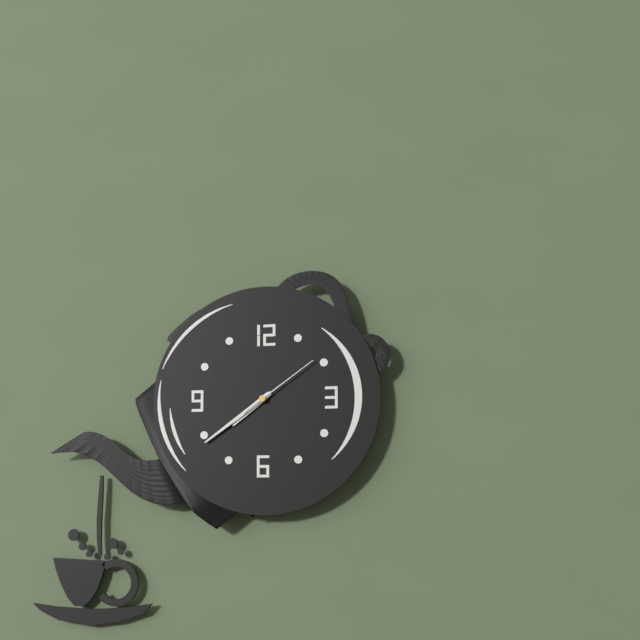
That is h=7 m=39 s=9
